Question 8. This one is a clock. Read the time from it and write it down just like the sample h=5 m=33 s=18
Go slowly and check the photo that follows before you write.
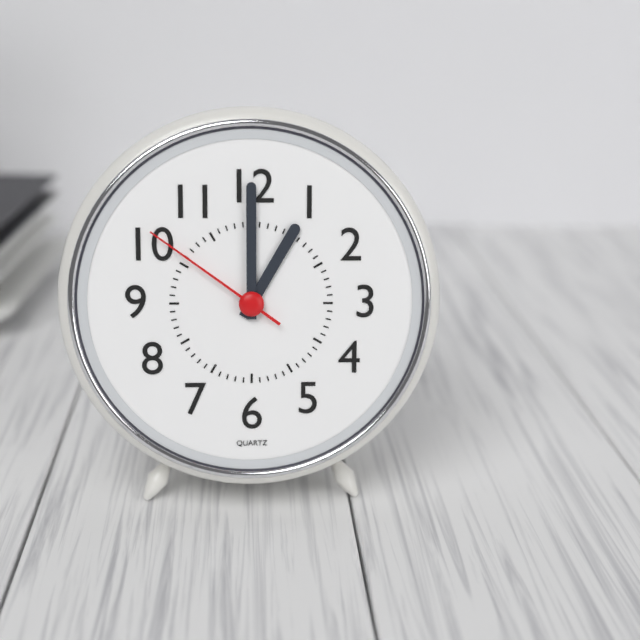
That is h=1 m=0 s=51
